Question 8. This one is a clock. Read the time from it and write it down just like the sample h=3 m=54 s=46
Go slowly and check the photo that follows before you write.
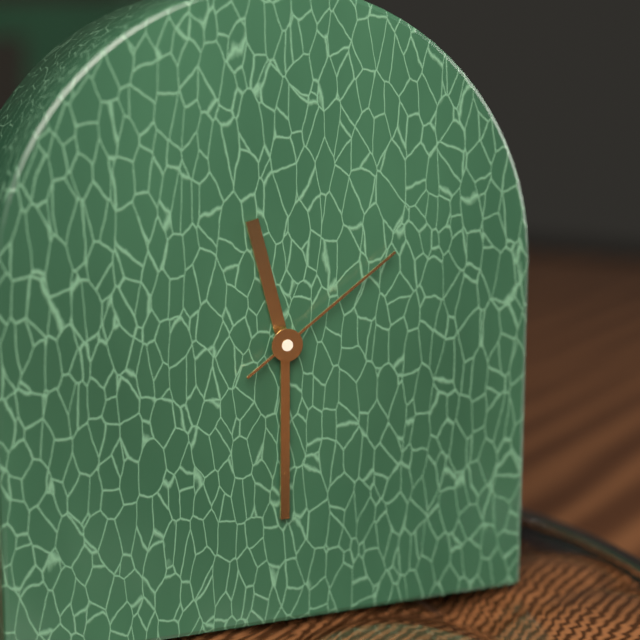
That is h=11 m=30 s=9
